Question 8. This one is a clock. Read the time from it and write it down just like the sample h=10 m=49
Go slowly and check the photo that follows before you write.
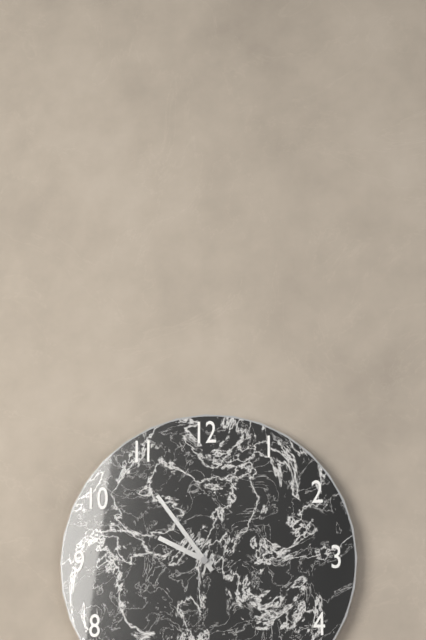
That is h=9 m=54
